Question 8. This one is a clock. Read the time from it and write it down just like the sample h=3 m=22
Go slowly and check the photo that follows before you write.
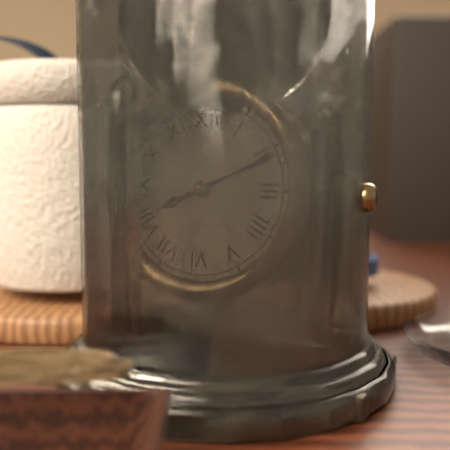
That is h=8 m=11
